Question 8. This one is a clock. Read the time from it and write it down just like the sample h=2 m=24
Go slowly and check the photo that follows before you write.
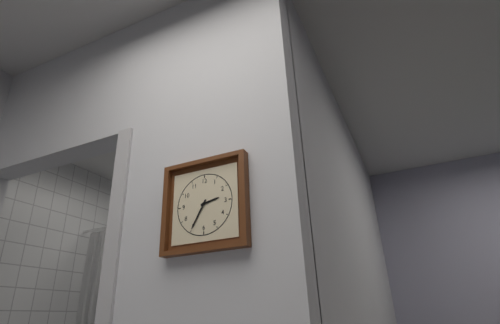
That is h=2 m=35
